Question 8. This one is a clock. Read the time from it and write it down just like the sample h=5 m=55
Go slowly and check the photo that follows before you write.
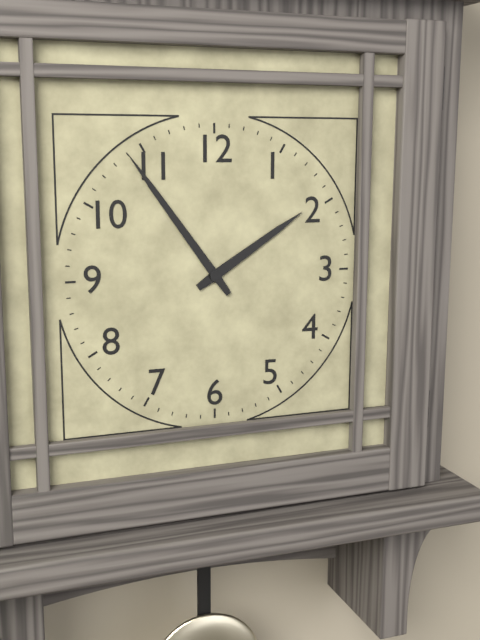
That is h=1 m=54
